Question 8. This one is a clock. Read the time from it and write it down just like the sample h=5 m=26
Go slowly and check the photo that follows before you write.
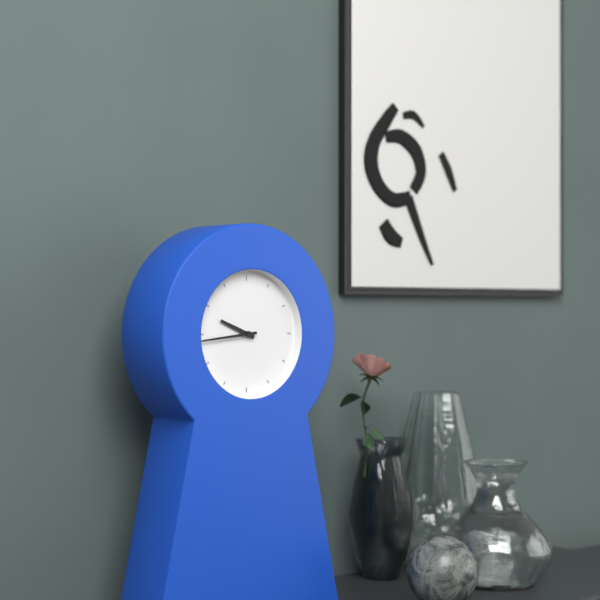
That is h=9 m=44
